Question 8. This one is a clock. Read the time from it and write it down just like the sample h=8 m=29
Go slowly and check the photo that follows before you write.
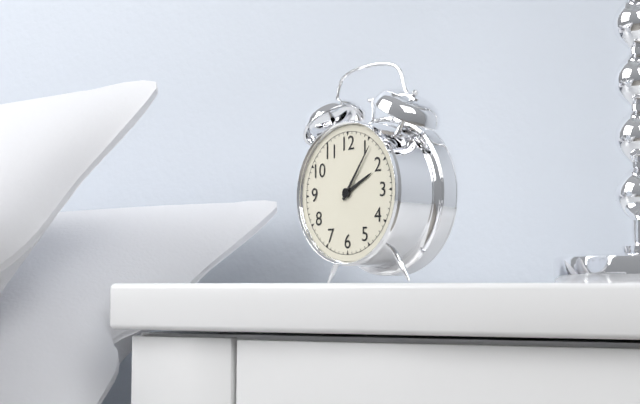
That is h=2 m=6
